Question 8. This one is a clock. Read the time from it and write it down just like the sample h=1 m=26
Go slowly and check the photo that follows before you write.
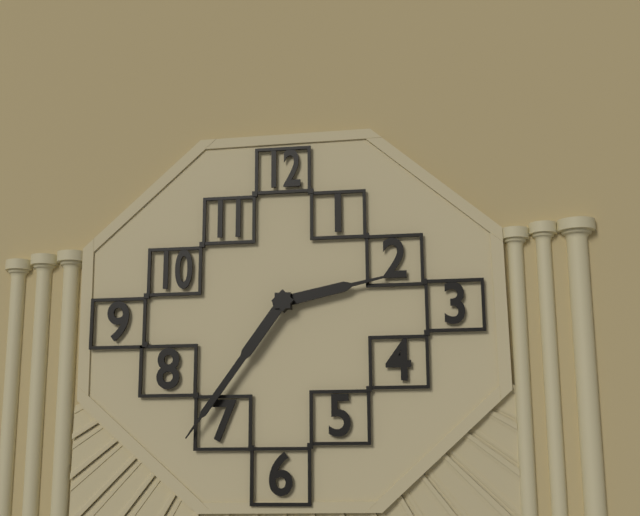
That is h=2 m=36
